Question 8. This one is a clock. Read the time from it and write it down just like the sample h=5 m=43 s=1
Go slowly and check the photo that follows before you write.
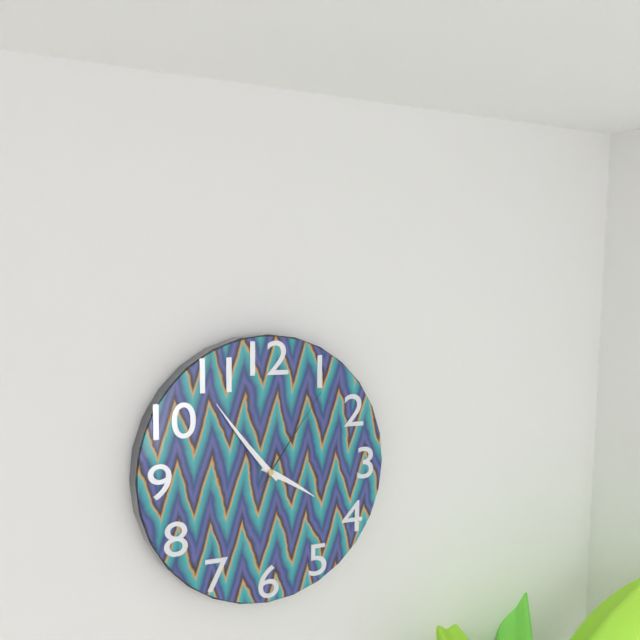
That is h=3 m=53 s=6
